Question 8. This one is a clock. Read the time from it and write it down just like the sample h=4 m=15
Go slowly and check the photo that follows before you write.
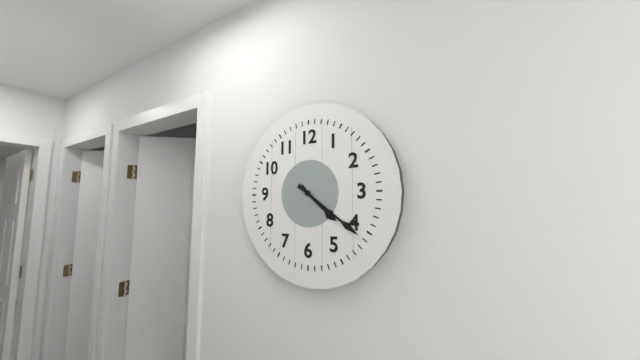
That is h=4 m=21
